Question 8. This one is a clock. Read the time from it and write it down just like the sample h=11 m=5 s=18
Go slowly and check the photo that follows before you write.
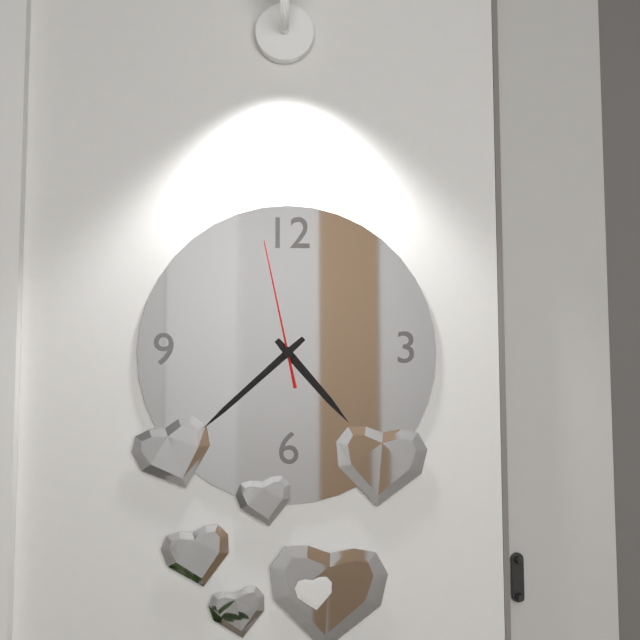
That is h=4 m=38 s=58
